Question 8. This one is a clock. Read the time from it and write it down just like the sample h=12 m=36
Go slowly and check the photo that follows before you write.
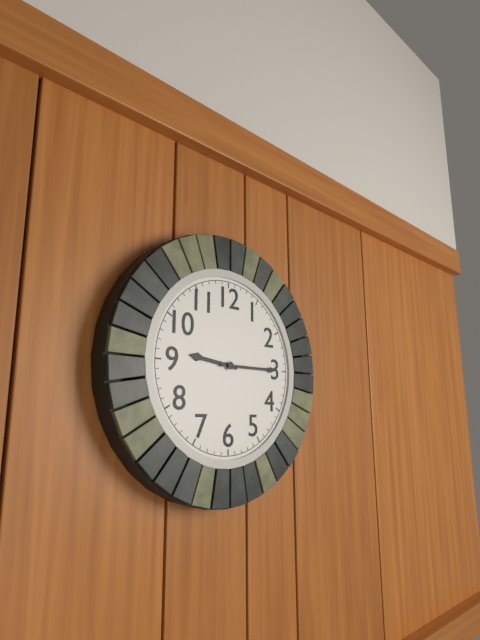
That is h=9 m=15
